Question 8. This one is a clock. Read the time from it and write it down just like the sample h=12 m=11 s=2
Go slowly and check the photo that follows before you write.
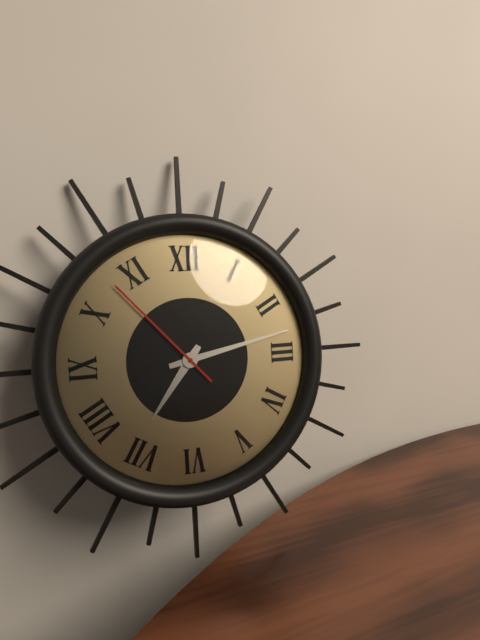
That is h=7 m=13 s=53
